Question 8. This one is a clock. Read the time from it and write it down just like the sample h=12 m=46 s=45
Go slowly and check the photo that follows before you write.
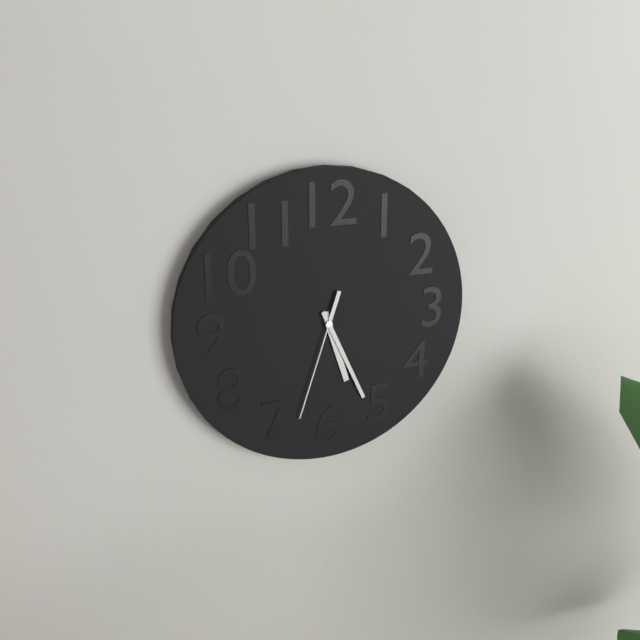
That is h=5 m=26 s=33
